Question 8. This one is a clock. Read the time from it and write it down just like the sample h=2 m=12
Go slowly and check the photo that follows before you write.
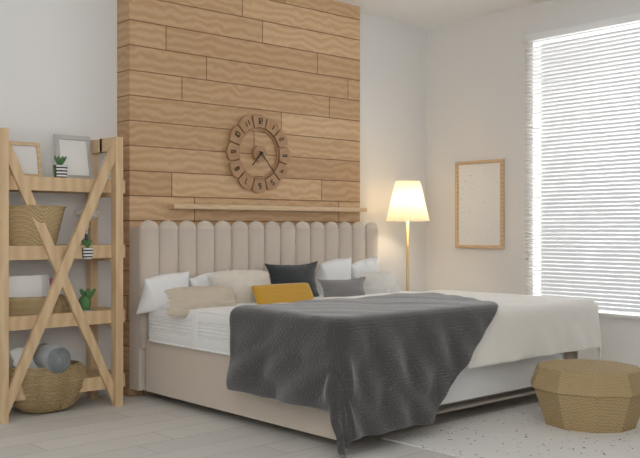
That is h=7 m=23
